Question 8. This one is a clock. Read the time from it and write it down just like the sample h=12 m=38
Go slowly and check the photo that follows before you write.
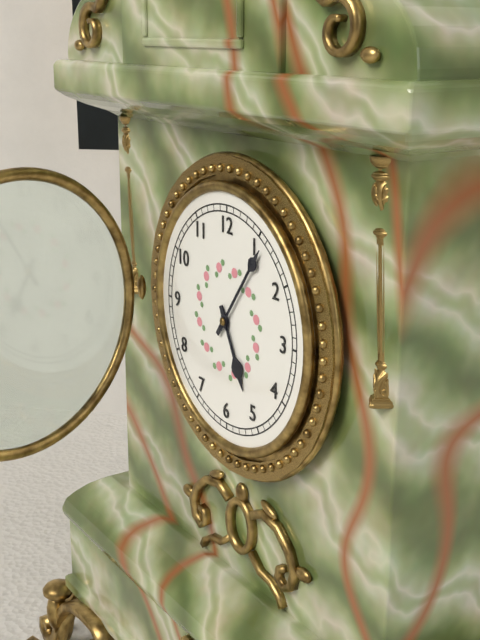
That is h=5 m=6
